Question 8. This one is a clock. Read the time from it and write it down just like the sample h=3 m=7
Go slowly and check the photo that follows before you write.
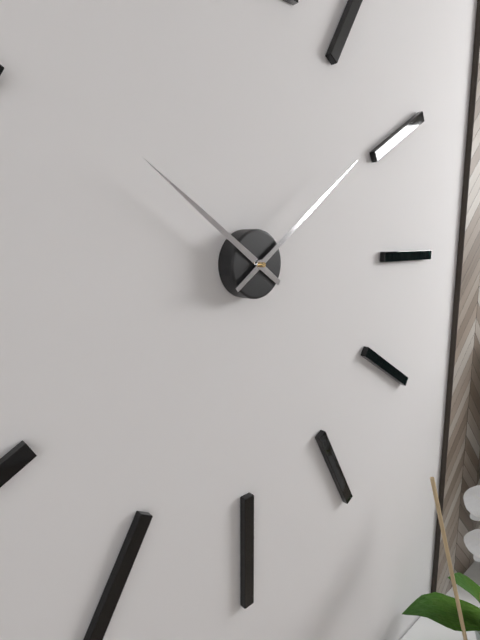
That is h=10 m=9
